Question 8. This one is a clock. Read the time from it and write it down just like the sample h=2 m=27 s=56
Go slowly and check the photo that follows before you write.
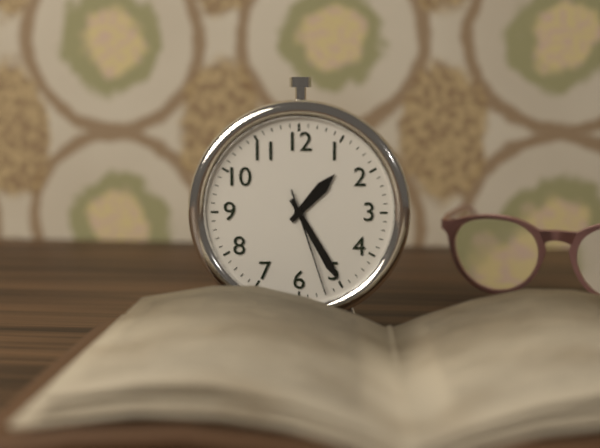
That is h=1 m=25 s=27
